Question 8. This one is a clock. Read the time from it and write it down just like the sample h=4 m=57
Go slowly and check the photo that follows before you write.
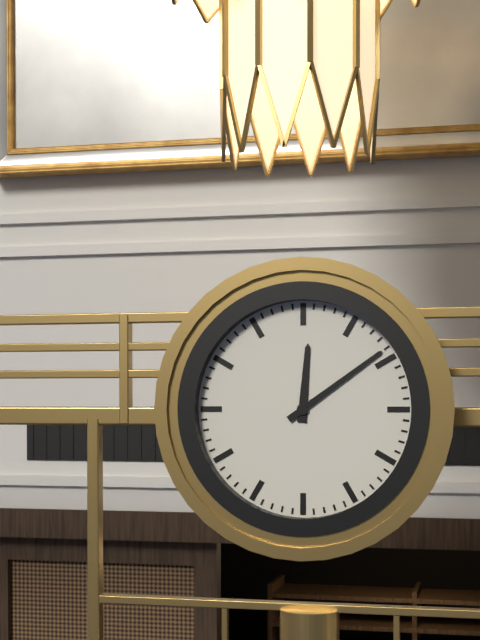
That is h=12 m=9
